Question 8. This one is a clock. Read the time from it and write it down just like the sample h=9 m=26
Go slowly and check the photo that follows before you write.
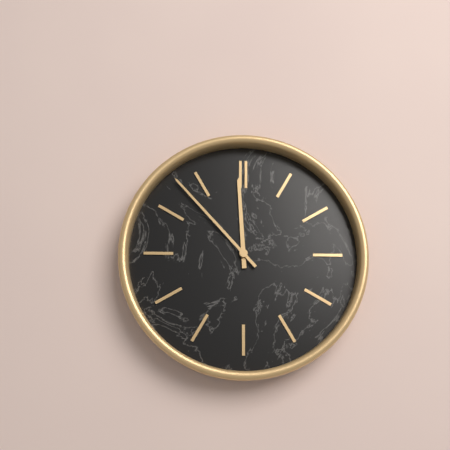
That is h=11 m=53
